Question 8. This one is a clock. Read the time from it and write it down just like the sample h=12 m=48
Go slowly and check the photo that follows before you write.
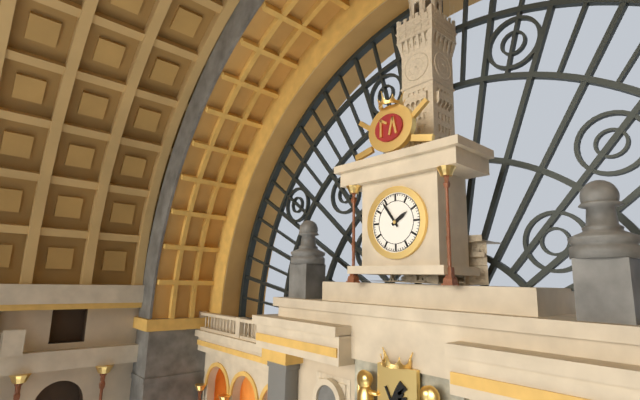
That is h=1 m=54
